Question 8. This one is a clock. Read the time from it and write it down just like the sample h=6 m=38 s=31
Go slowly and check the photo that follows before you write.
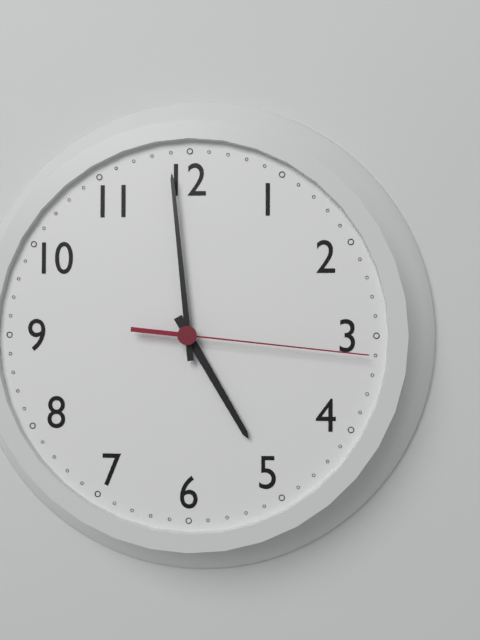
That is h=4 m=59 s=16
